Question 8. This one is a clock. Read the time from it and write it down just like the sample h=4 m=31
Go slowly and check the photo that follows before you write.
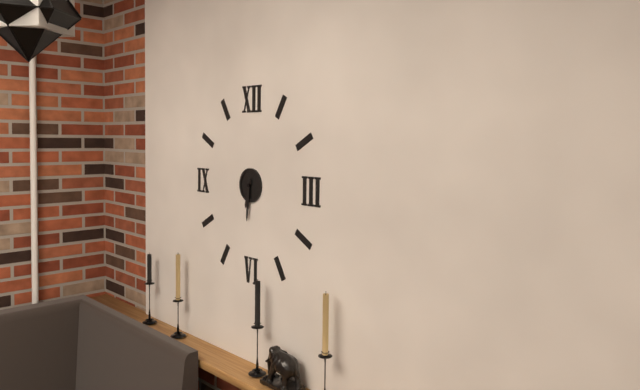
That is h=6 m=31
